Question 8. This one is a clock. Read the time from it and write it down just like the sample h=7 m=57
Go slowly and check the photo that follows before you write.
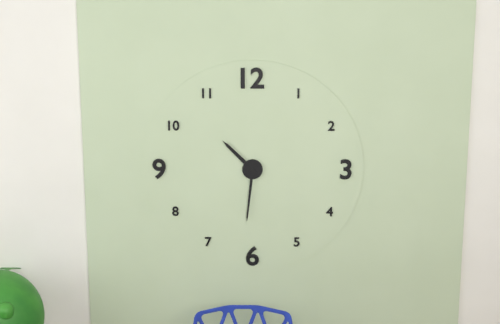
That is h=10 m=31
